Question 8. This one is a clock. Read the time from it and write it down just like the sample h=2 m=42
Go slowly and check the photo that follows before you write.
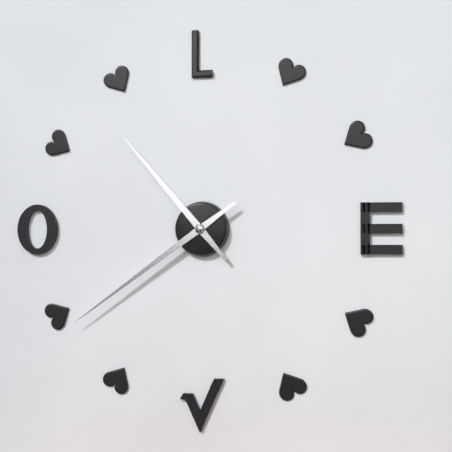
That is h=10 m=39
